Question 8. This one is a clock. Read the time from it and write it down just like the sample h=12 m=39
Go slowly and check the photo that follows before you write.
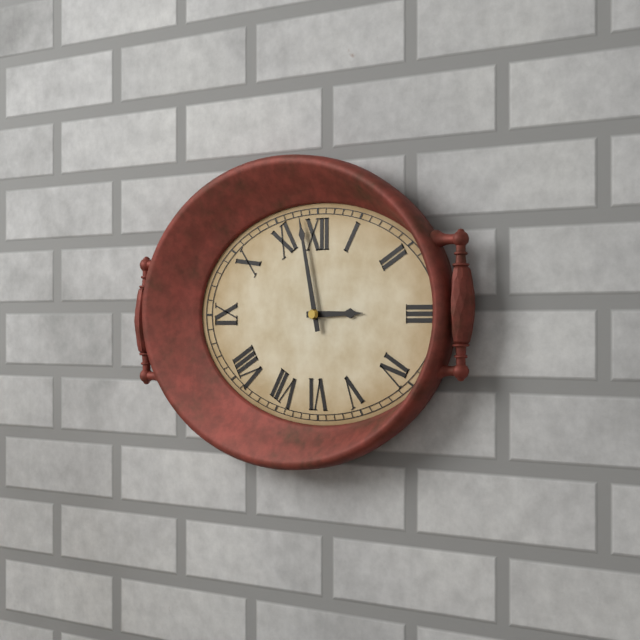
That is h=2 m=58
